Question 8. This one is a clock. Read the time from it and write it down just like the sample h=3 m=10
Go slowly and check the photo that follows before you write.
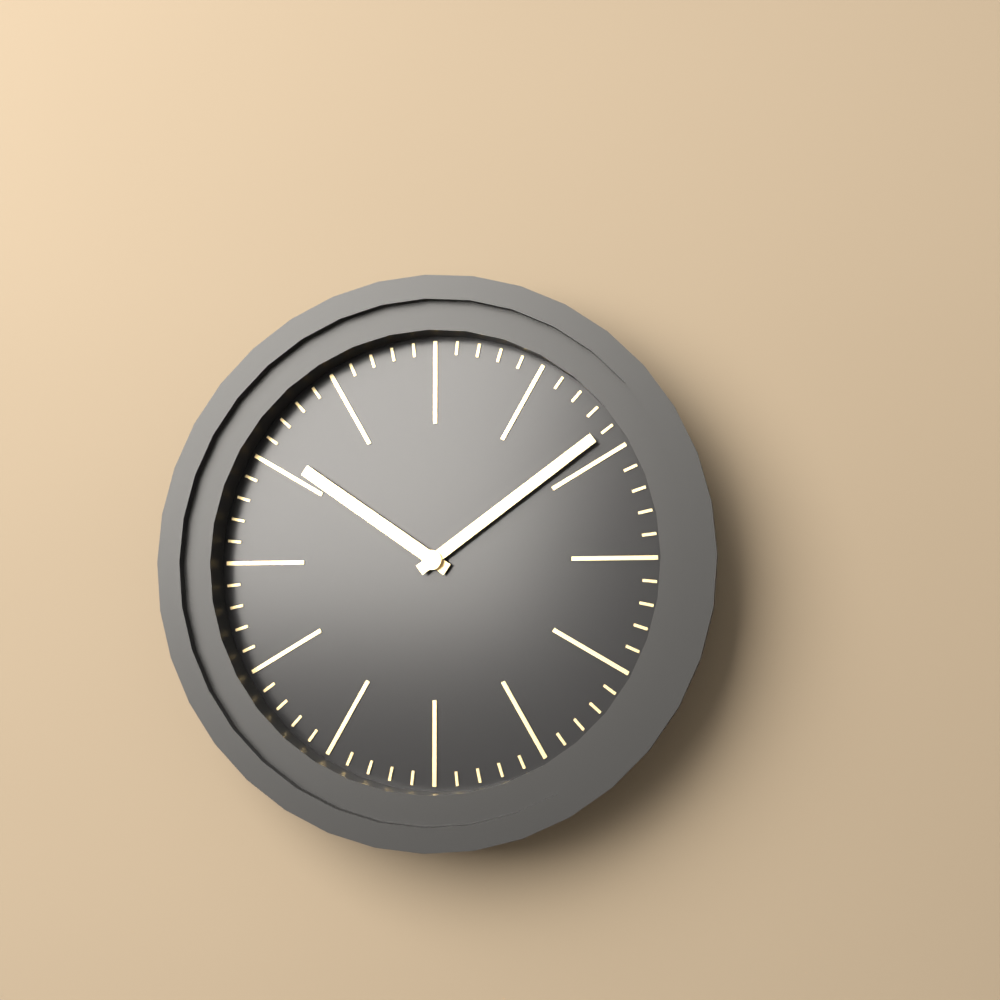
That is h=10 m=9
